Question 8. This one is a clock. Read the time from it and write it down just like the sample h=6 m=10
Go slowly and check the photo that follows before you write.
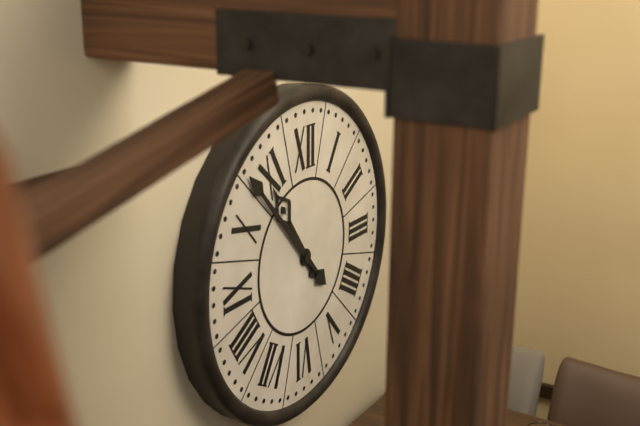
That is h=10 m=53
